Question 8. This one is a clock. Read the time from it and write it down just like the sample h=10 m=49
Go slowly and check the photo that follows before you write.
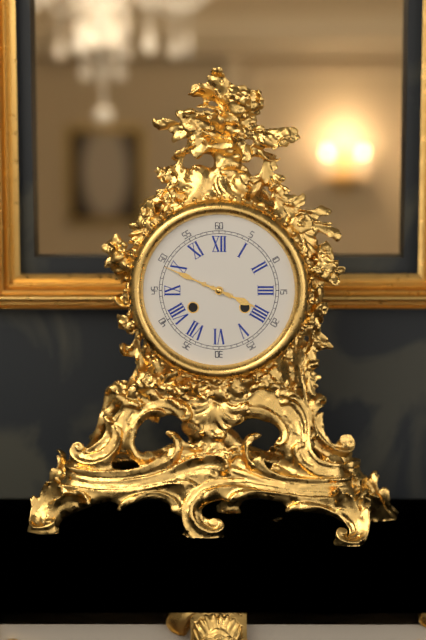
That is h=3 m=49
